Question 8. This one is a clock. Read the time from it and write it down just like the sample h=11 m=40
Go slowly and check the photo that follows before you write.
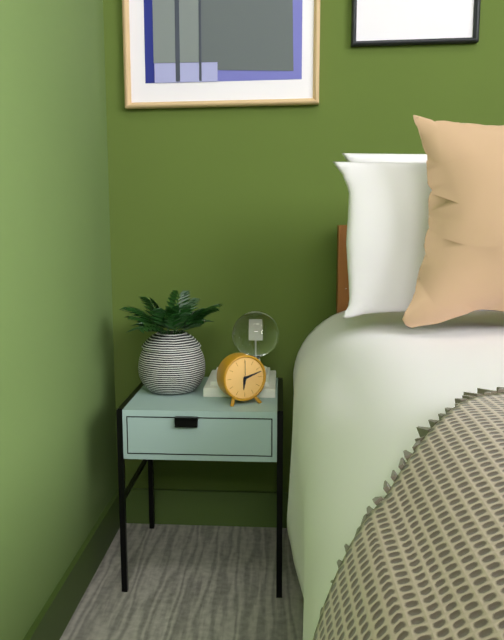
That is h=6 m=12
